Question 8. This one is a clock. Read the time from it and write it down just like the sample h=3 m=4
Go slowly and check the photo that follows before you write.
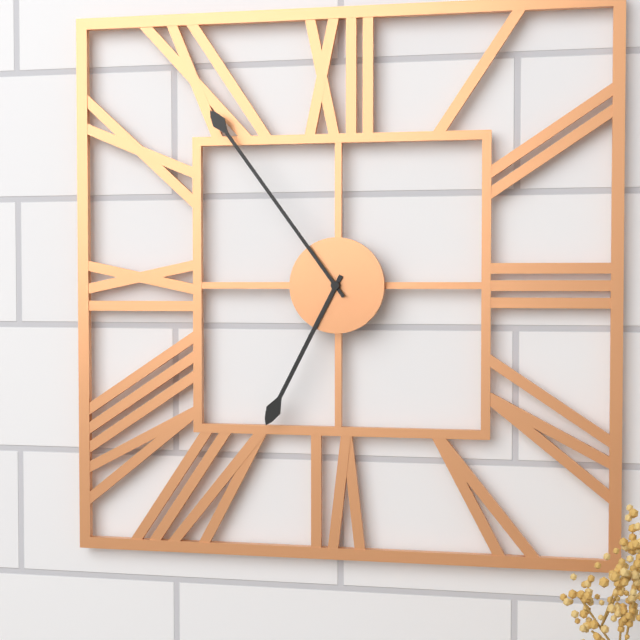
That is h=6 m=54
